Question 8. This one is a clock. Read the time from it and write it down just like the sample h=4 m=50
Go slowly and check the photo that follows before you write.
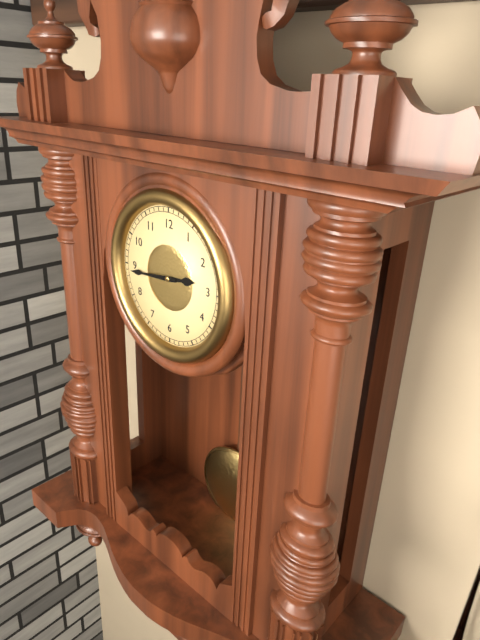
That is h=2 m=44
